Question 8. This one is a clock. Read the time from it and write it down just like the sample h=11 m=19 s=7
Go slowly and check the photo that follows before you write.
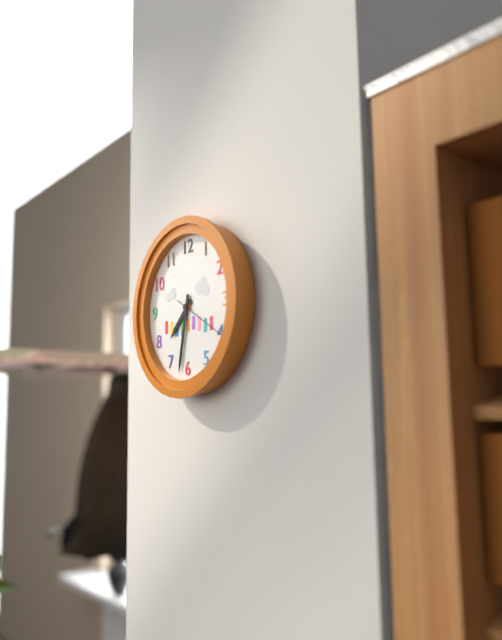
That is h=7 m=32 s=20
